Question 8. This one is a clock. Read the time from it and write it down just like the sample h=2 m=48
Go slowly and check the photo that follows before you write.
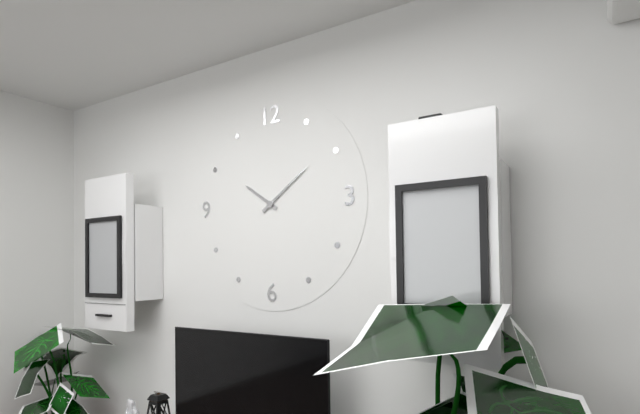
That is h=10 m=9
